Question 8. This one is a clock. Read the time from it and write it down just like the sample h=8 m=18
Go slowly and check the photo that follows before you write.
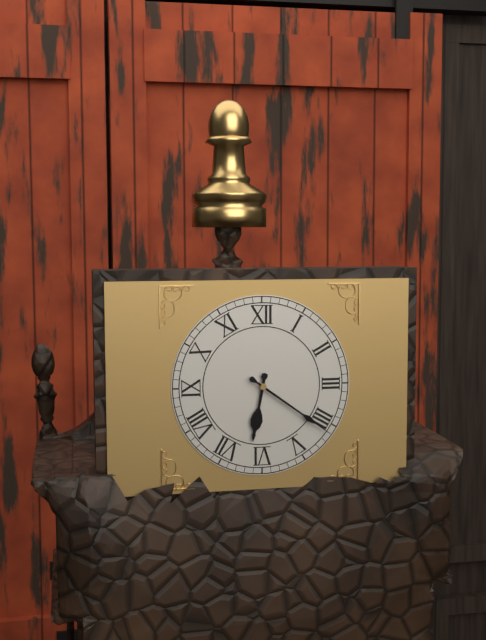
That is h=6 m=21
